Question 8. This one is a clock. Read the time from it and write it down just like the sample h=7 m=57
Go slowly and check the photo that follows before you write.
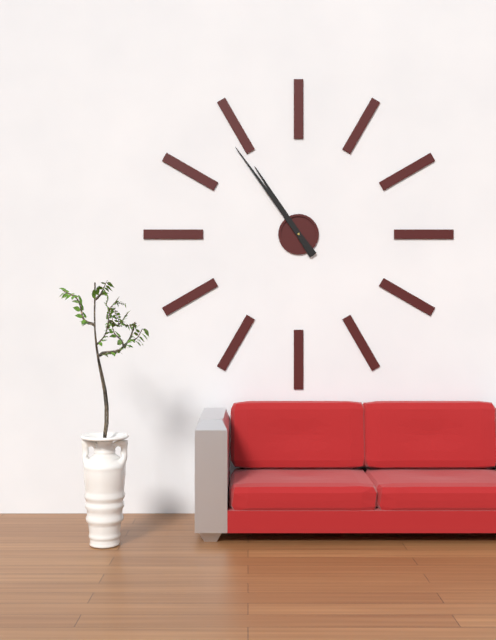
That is h=10 m=54
